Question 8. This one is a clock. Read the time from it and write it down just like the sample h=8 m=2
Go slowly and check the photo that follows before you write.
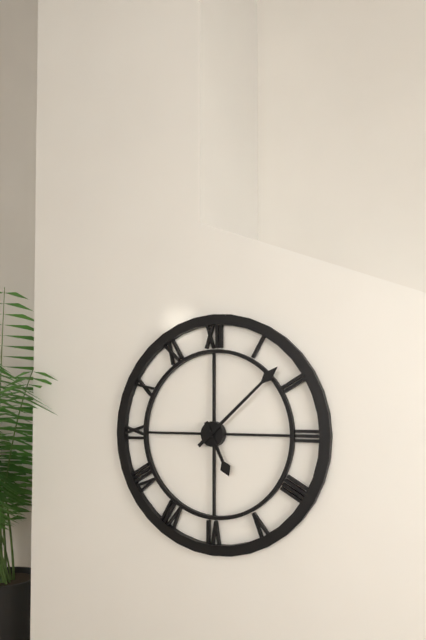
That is h=5 m=8
